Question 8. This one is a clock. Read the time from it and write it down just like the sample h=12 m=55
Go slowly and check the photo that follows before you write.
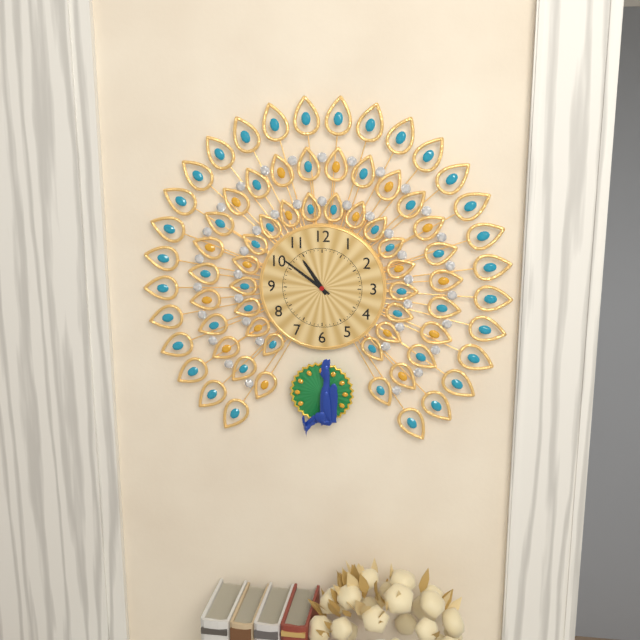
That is h=10 m=51
